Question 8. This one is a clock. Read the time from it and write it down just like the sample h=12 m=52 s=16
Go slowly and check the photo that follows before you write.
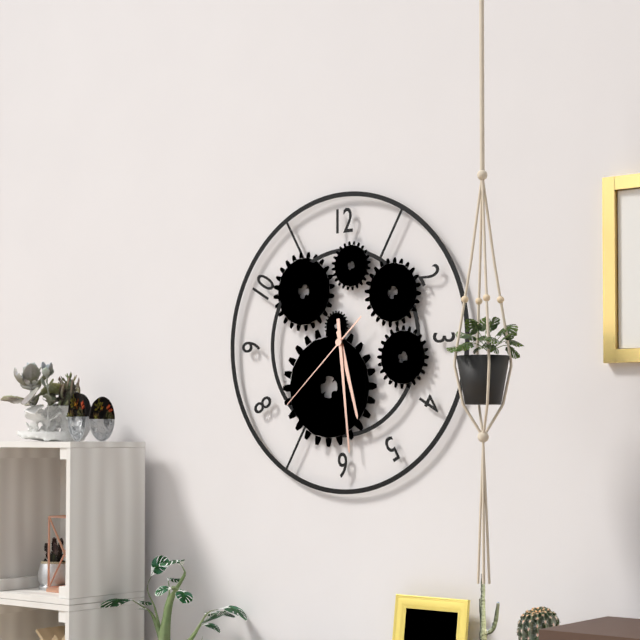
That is h=5 m=29 s=38
